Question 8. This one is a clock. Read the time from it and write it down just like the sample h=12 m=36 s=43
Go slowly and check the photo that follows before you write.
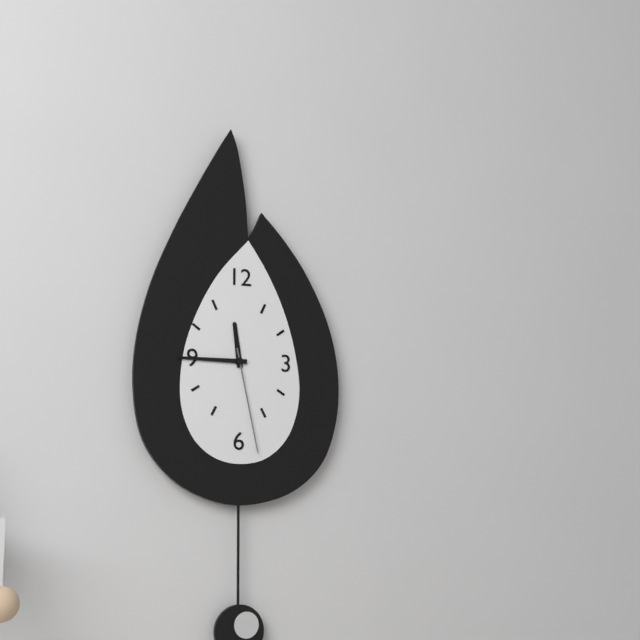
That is h=11 m=45 s=28
